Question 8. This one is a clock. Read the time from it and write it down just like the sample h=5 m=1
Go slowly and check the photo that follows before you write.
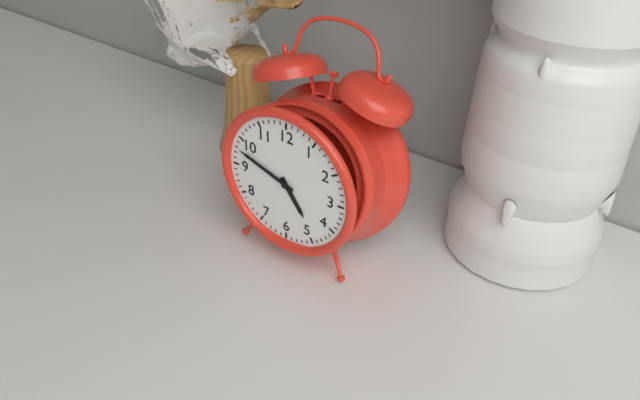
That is h=4 m=48
